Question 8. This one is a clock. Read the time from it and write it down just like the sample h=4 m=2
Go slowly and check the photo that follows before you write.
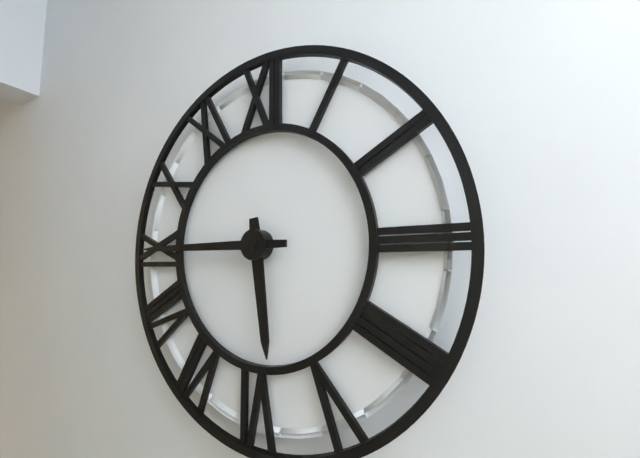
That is h=5 m=45
